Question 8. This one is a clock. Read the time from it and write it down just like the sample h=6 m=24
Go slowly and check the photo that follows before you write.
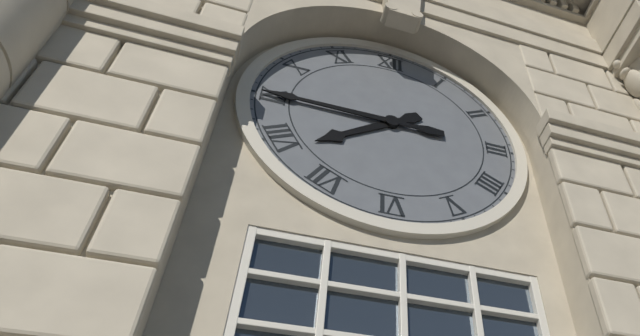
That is h=7 m=45
